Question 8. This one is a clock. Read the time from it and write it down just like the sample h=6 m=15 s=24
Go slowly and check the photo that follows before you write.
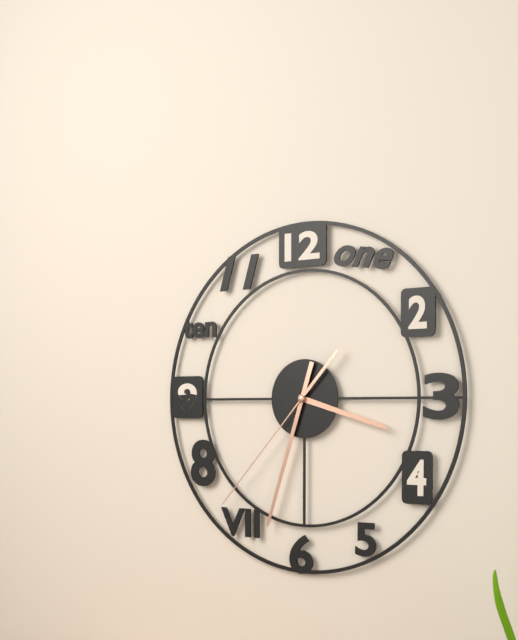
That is h=3 m=33 s=37
